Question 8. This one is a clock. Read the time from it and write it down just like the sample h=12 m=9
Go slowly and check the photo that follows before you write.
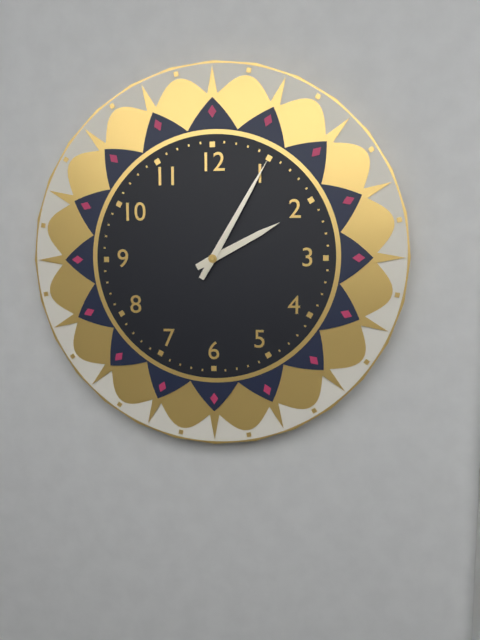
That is h=2 m=5
